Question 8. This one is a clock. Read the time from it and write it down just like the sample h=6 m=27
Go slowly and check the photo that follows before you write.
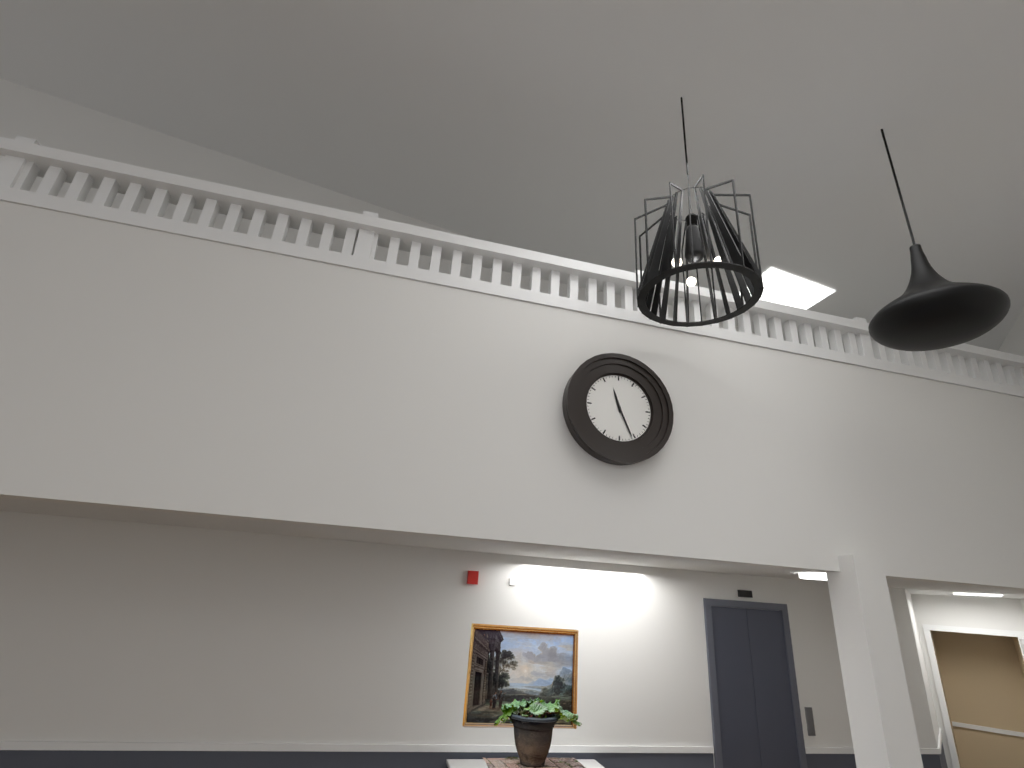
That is h=11 m=26
